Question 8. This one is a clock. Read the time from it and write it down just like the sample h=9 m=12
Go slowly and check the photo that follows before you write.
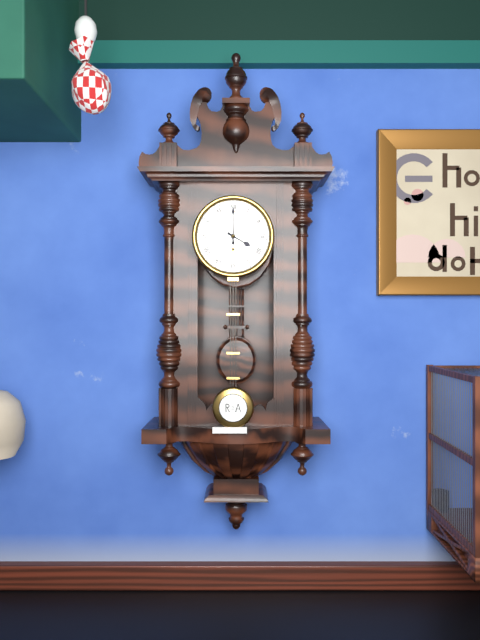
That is h=4 m=0
